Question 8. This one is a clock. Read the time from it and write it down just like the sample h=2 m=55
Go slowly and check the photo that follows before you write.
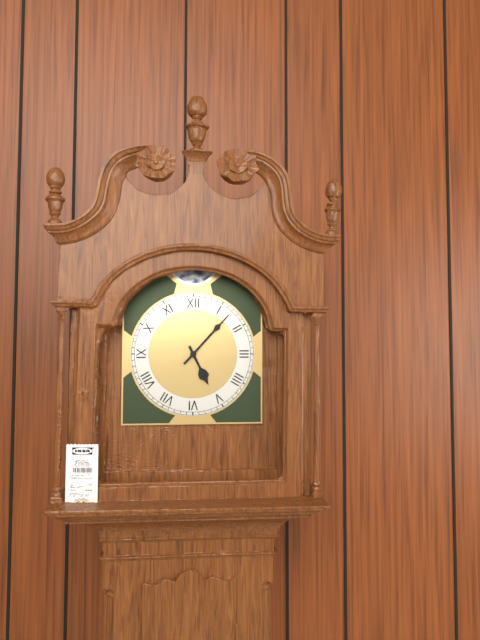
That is h=5 m=7
